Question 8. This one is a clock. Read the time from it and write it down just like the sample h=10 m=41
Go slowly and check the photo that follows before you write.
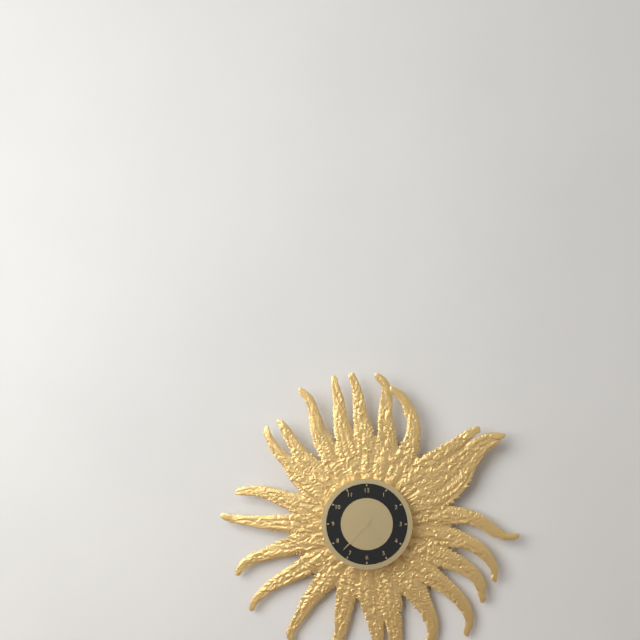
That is h=4 m=37
